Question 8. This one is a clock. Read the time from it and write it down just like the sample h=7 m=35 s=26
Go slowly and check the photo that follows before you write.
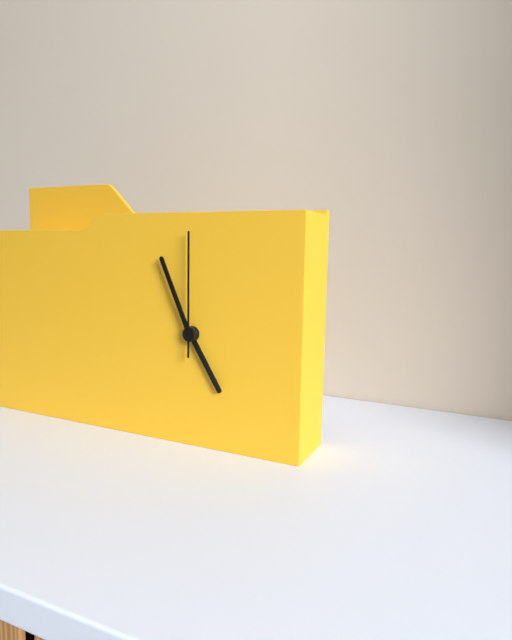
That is h=4 m=56 s=0
